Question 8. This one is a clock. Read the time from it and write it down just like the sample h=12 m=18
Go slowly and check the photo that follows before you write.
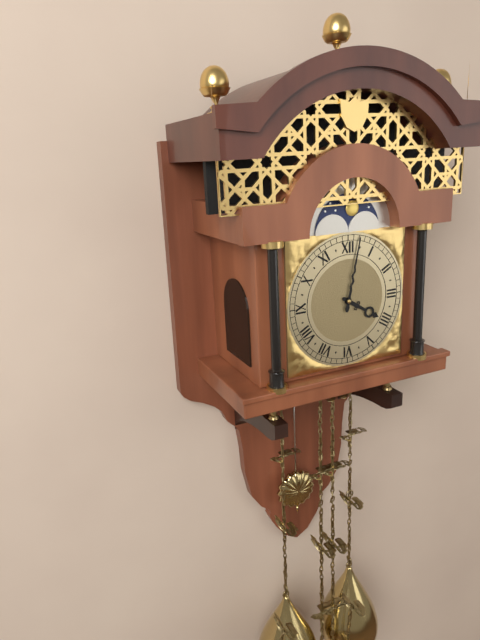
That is h=4 m=2
